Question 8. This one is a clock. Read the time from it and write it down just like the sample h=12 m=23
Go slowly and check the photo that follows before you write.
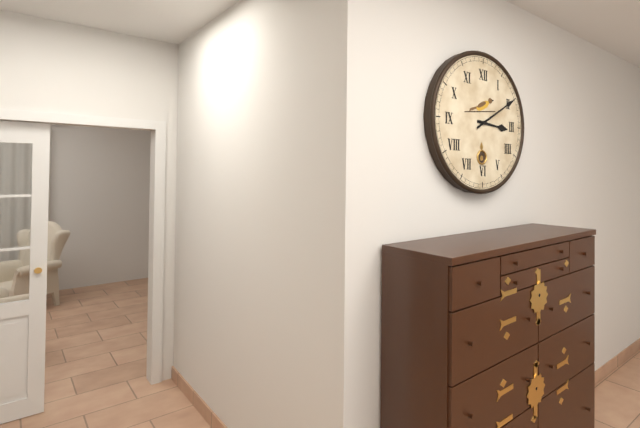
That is h=3 m=10
